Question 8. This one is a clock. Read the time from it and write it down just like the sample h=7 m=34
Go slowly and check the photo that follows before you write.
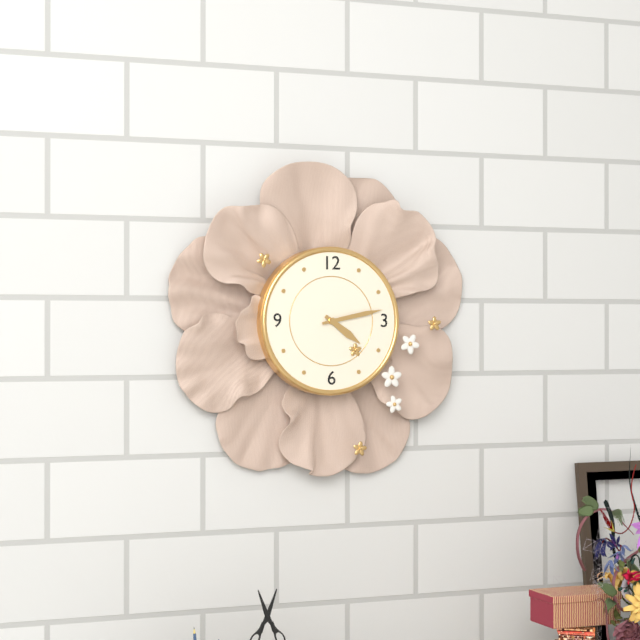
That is h=4 m=13
